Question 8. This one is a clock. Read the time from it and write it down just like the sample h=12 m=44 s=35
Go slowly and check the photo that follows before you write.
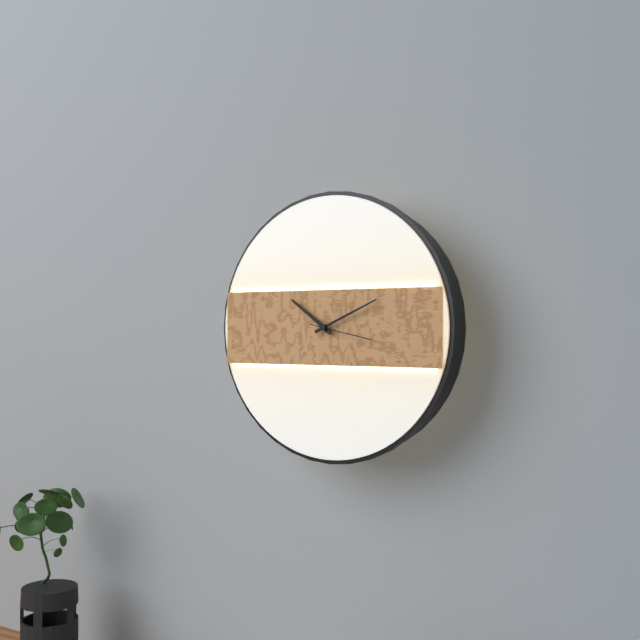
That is h=10 m=11 s=17
